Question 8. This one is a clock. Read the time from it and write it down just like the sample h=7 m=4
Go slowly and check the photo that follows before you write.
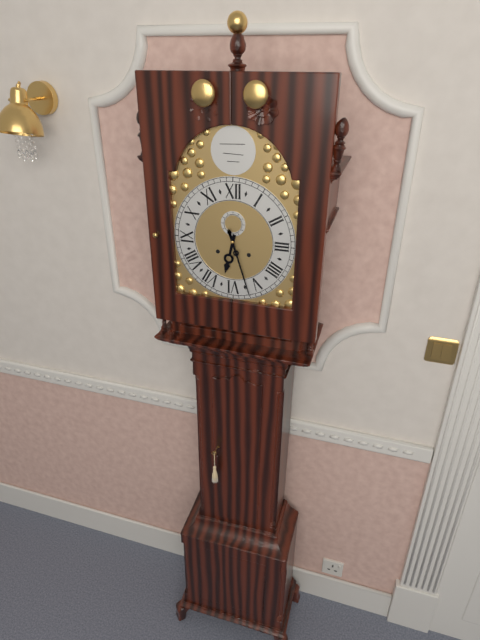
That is h=6 m=27
